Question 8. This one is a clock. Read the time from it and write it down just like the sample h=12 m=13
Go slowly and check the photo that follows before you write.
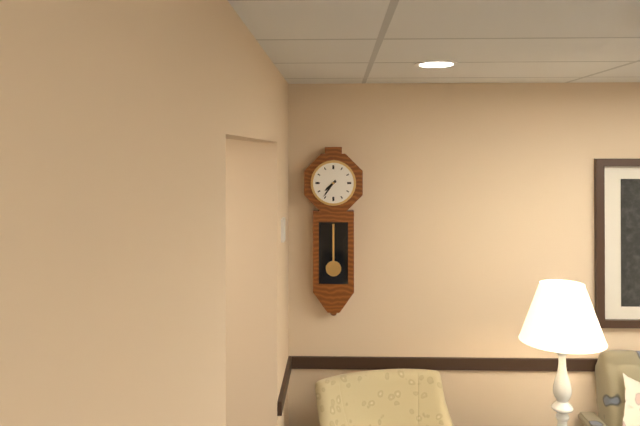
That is h=7 m=36
